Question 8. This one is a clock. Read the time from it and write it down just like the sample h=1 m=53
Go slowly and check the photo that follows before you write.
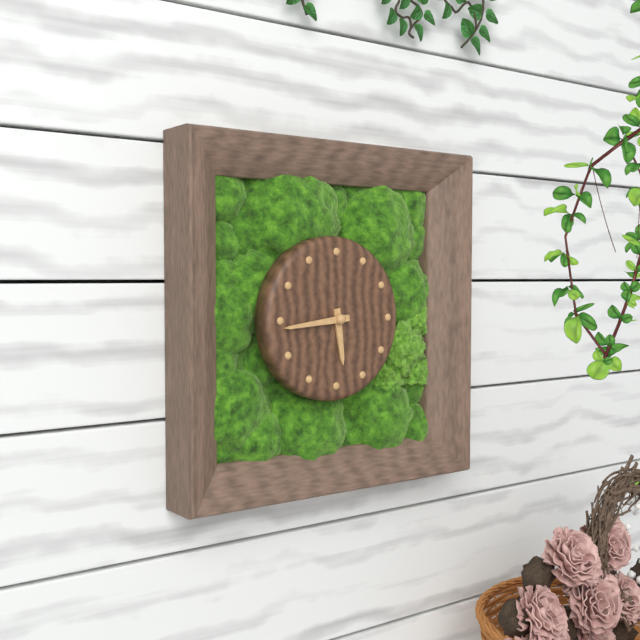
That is h=5 m=44
